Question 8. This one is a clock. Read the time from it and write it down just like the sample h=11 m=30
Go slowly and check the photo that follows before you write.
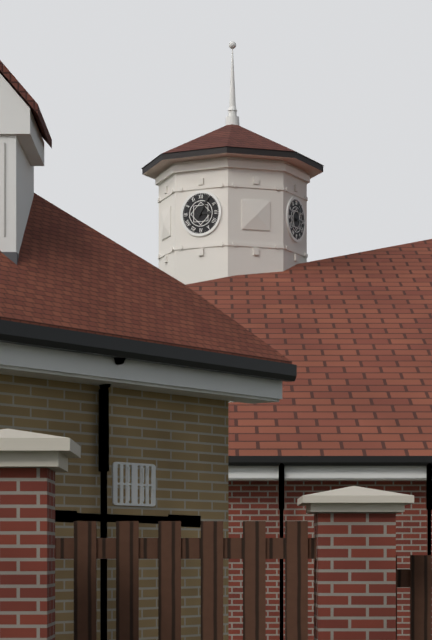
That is h=3 m=5
